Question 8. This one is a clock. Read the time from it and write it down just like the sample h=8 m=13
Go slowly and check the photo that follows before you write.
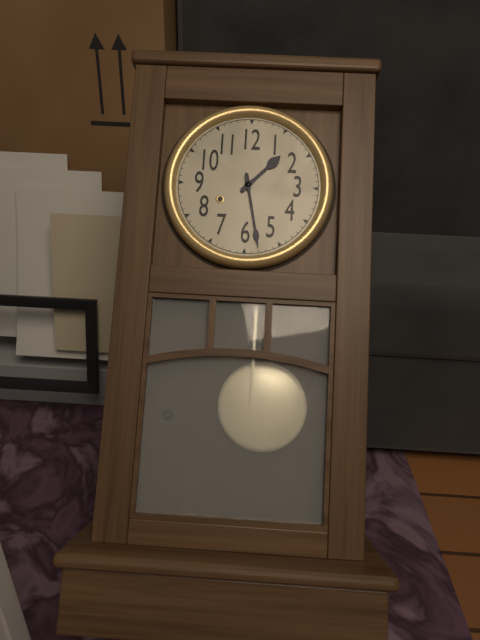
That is h=1 m=28
